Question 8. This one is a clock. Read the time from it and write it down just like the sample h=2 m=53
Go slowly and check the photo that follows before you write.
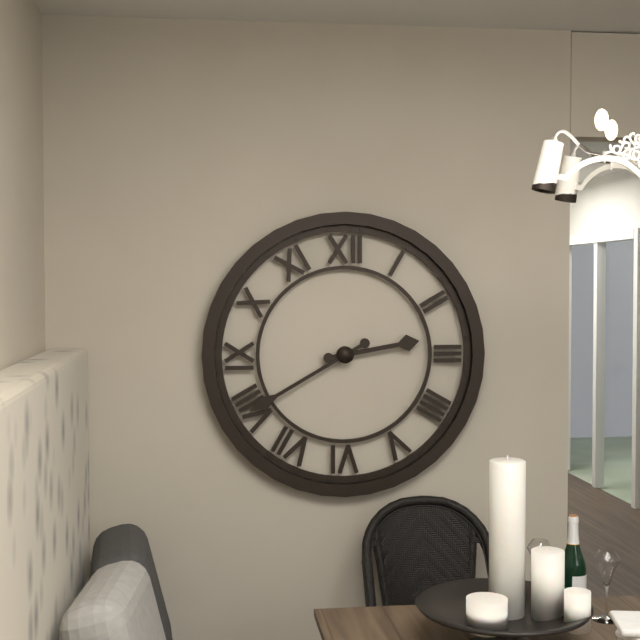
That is h=2 m=40
